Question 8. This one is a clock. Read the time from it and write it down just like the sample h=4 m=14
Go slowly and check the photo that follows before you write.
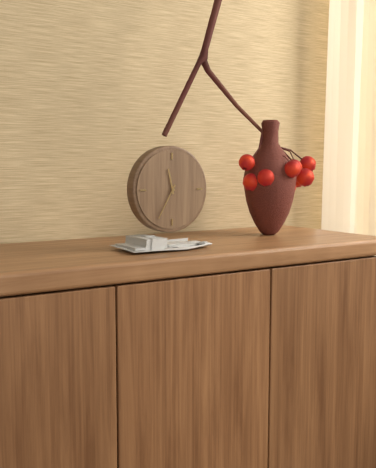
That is h=11 m=35
